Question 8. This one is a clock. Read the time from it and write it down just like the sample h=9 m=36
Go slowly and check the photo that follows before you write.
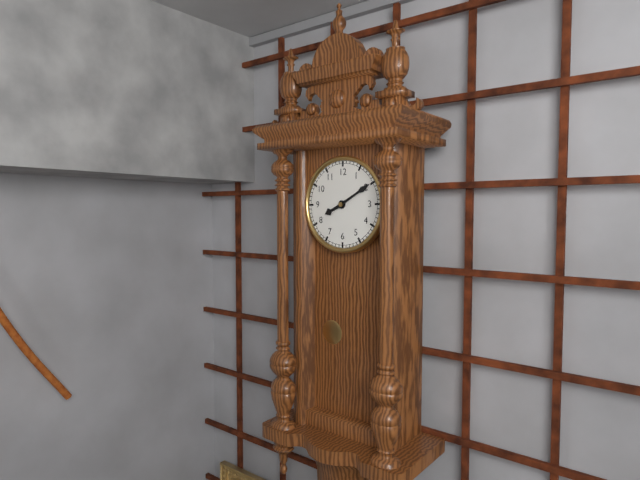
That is h=8 m=10
